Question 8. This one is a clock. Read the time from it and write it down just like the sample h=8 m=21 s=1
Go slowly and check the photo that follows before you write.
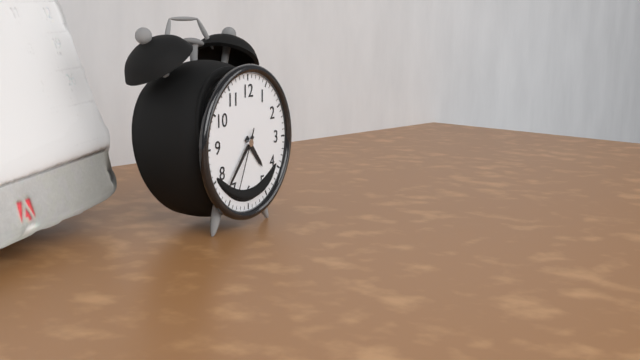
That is h=4 m=37 s=34
